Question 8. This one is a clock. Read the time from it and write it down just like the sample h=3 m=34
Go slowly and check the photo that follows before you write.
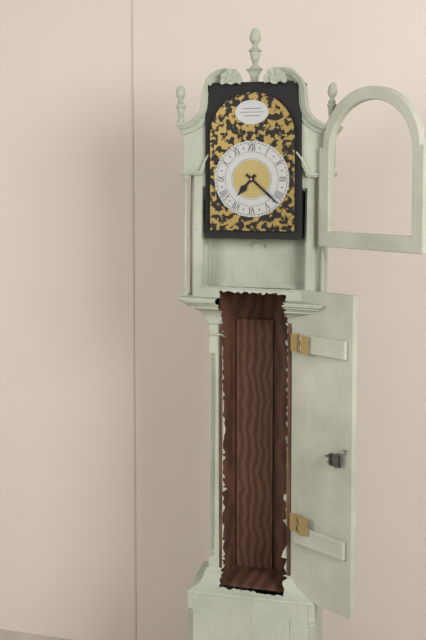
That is h=7 m=22
